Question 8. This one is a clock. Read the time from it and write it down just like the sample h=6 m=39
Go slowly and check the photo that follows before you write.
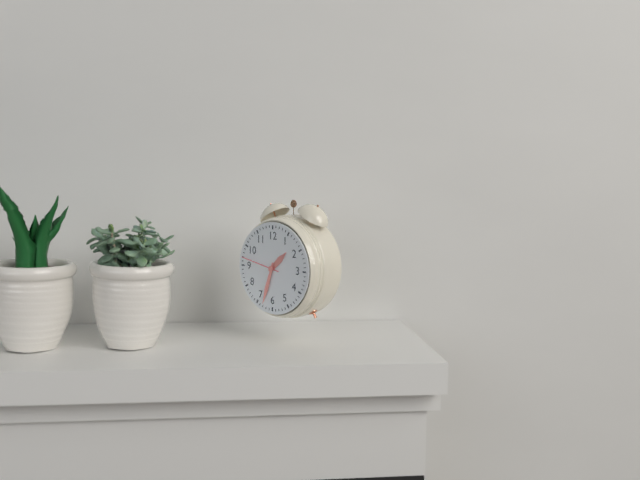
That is h=1 m=33
